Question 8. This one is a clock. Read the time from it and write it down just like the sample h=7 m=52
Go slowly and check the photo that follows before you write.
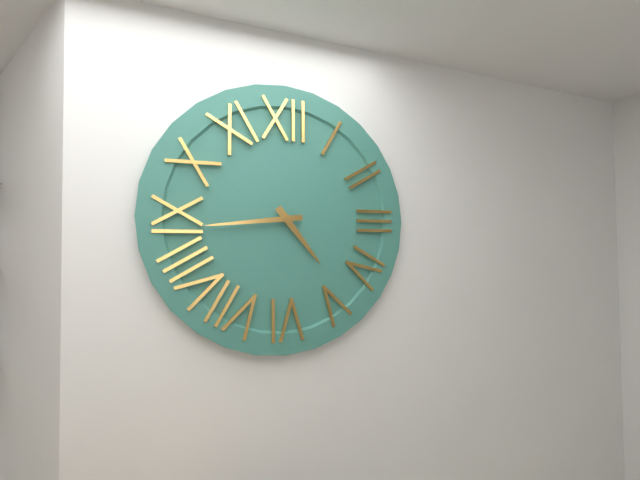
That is h=4 m=44
